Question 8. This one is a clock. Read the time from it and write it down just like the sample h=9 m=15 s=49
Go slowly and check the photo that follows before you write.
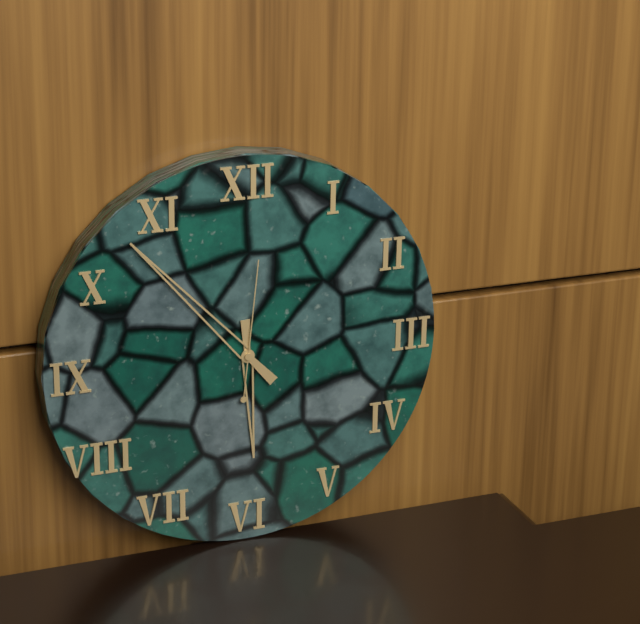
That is h=5 m=53 s=1
